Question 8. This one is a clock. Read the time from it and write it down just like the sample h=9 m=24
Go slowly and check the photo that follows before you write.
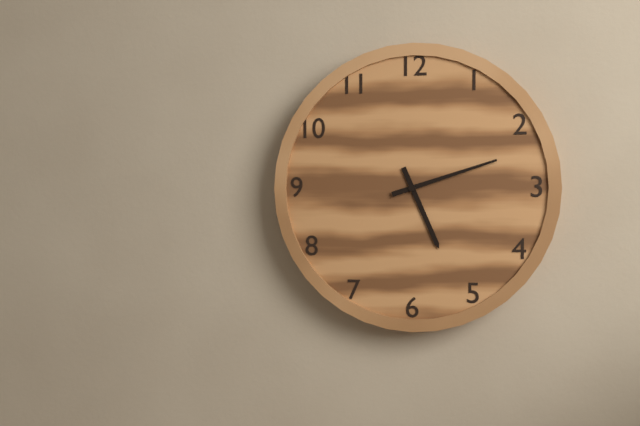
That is h=5 m=12
